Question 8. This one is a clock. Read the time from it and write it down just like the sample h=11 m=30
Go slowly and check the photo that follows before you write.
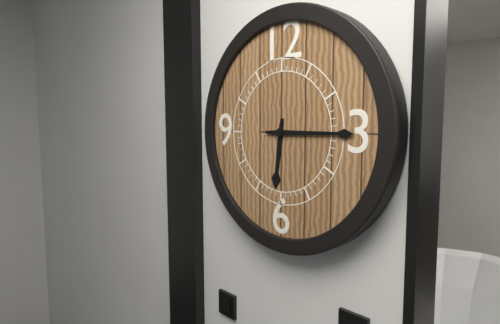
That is h=6 m=15
